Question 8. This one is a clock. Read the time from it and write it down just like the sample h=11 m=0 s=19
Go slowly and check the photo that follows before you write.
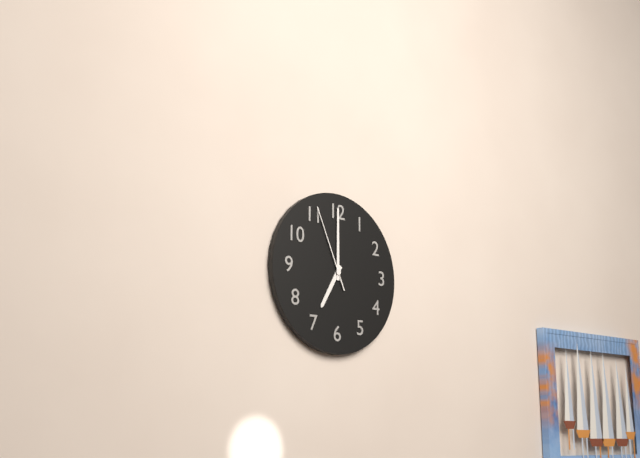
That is h=7 m=0 s=56
